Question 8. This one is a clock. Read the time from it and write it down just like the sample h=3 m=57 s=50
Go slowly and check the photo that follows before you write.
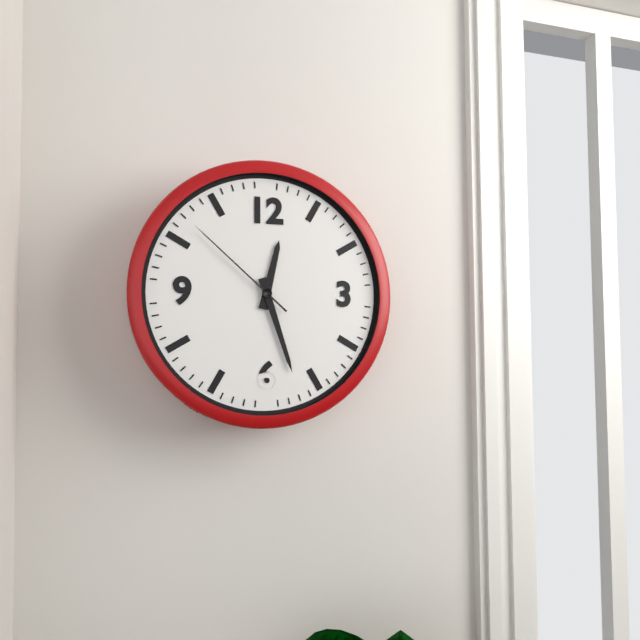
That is h=12 m=27 s=52
